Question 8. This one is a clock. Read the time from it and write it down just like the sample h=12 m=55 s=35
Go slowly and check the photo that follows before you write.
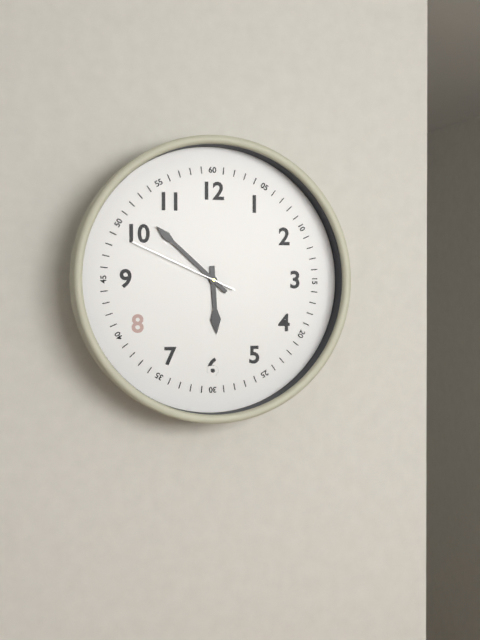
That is h=5 m=52 s=49
